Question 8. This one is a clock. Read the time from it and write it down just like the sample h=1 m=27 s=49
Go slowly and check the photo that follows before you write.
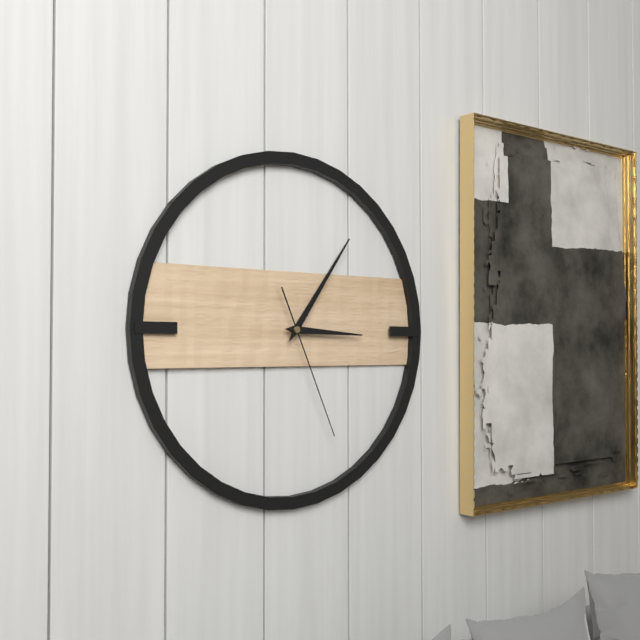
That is h=3 m=6 s=26
